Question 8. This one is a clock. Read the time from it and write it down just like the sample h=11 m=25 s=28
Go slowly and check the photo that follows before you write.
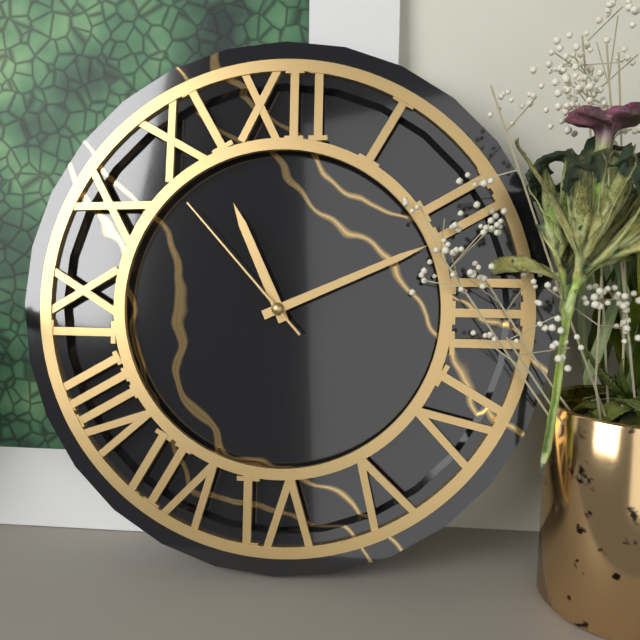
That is h=11 m=11 s=53
